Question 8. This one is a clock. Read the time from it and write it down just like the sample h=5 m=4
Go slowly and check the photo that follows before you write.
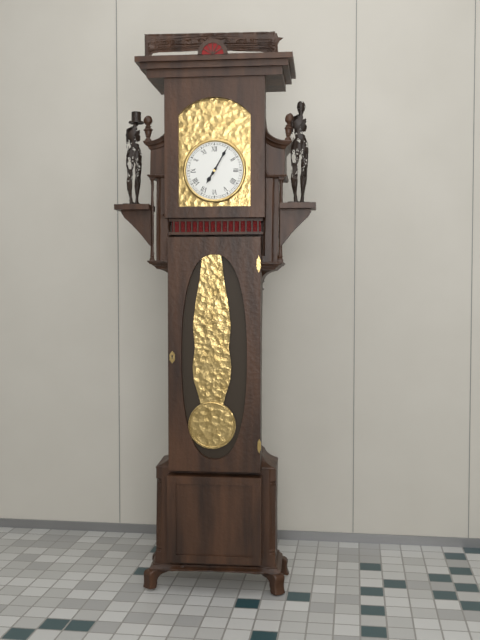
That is h=7 m=5
